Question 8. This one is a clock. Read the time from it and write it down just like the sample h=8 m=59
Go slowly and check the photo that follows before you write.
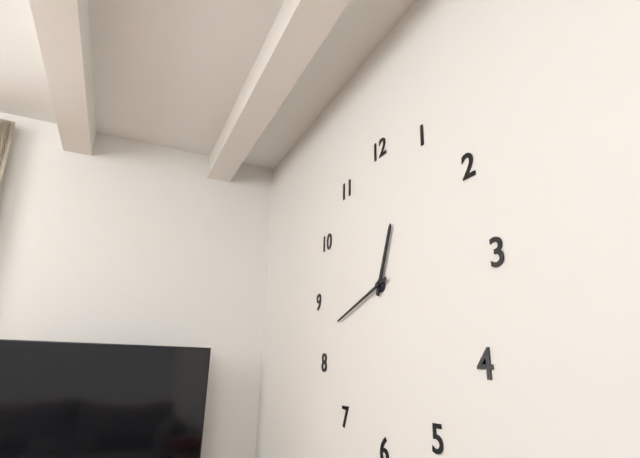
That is h=12 m=42
